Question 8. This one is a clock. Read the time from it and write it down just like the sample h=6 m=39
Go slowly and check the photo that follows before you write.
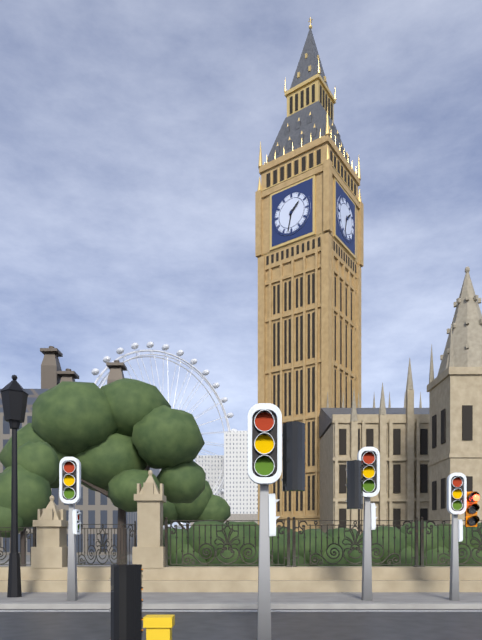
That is h=1 m=32
